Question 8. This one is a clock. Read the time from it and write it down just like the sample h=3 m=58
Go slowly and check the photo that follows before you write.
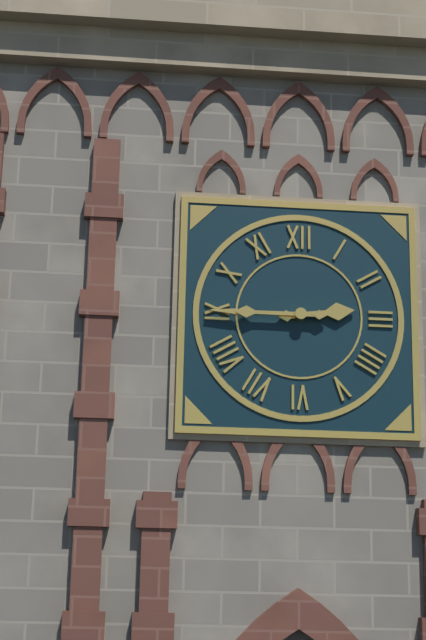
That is h=2 m=45
